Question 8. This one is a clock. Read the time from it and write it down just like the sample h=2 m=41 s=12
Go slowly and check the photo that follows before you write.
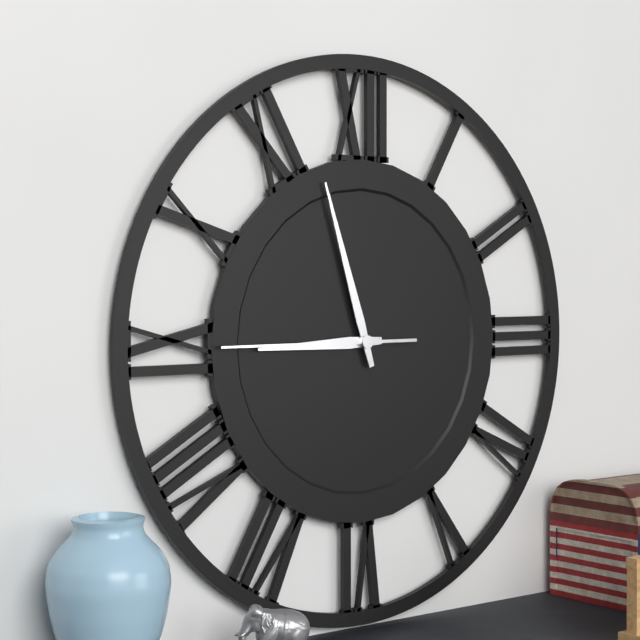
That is h=8 m=57 s=45
